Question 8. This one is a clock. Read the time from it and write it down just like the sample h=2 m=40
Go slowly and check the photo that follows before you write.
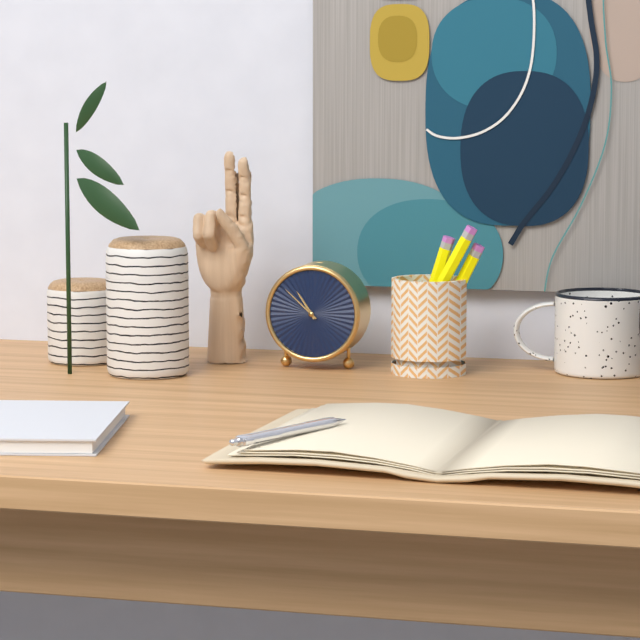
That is h=10 m=52
